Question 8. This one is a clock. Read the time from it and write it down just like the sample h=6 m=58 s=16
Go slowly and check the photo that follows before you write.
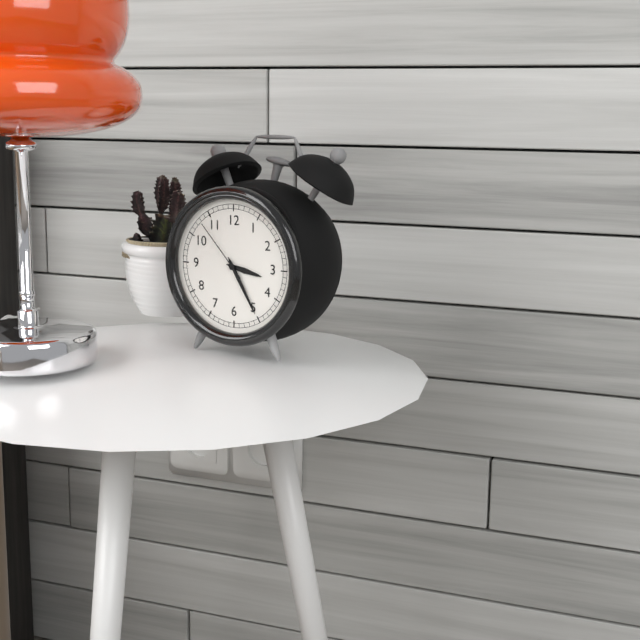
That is h=3 m=25 s=53
